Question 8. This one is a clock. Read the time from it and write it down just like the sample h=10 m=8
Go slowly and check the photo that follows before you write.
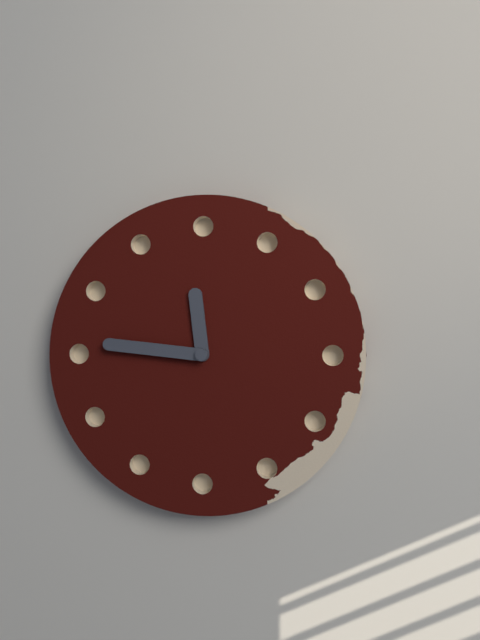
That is h=11 m=46
